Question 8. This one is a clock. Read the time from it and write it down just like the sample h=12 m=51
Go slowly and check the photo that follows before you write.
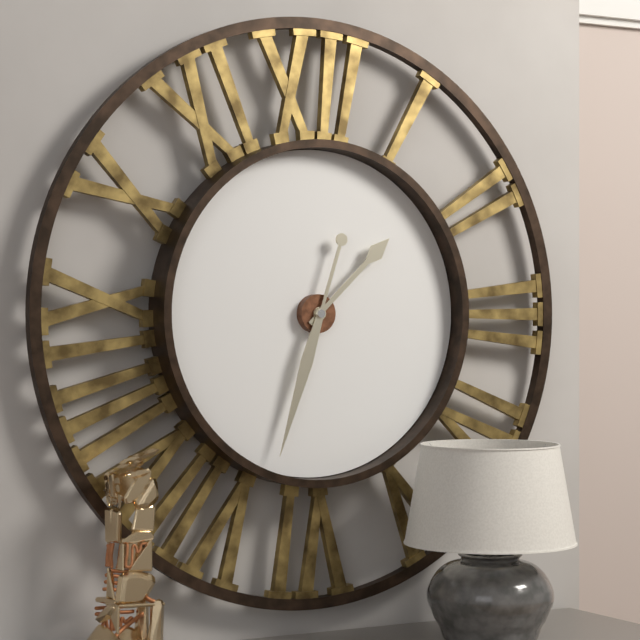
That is h=1 m=33
